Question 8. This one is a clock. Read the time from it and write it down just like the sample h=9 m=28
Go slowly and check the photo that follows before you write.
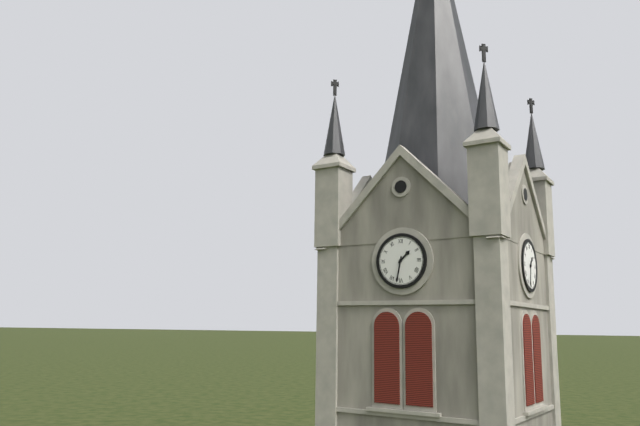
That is h=1 m=32
